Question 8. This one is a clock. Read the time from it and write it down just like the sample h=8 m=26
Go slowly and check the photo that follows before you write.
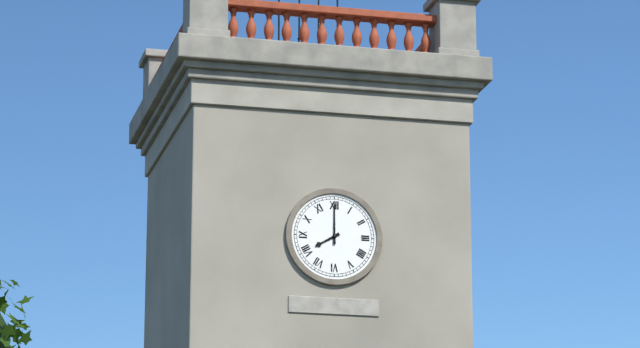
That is h=8 m=0
